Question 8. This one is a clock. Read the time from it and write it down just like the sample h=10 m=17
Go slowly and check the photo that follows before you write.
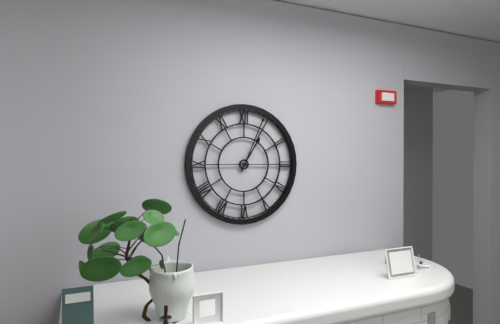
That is h=1 m=4
